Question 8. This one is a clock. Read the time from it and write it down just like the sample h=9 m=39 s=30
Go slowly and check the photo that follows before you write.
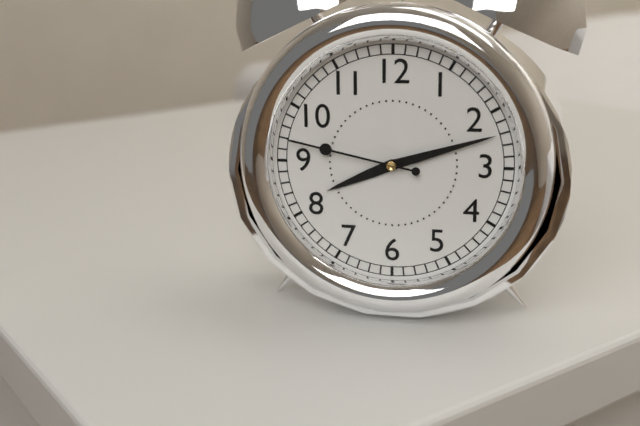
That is h=8 m=12 s=47
